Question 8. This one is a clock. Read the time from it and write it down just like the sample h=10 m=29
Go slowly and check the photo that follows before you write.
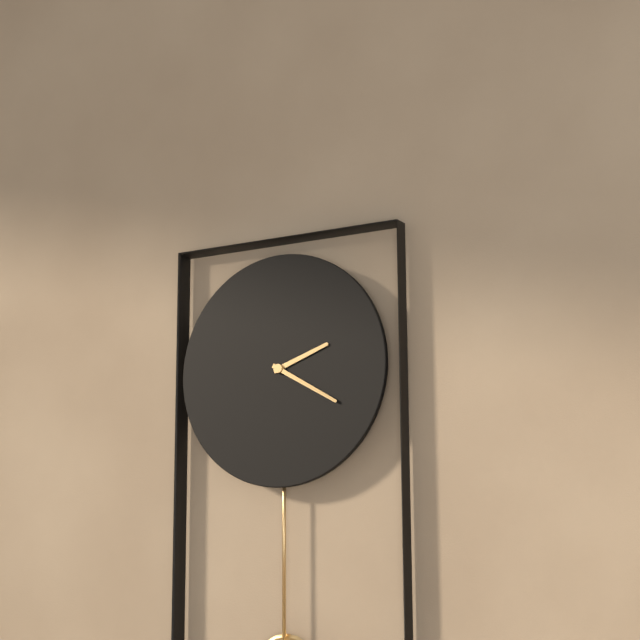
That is h=2 m=20
